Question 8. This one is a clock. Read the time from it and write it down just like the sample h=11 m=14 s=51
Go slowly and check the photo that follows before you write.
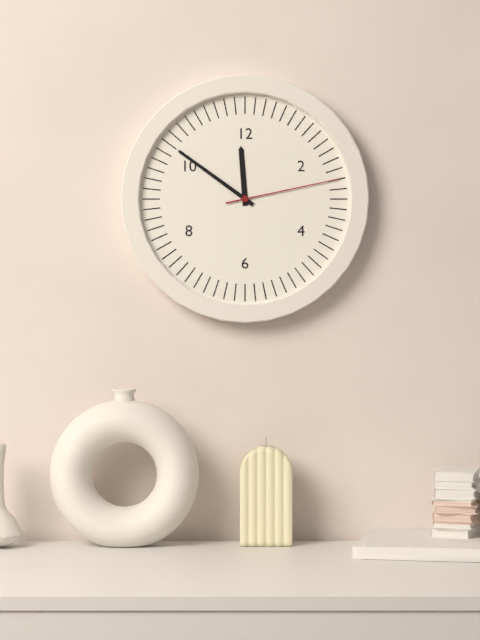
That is h=11 m=51 s=13
